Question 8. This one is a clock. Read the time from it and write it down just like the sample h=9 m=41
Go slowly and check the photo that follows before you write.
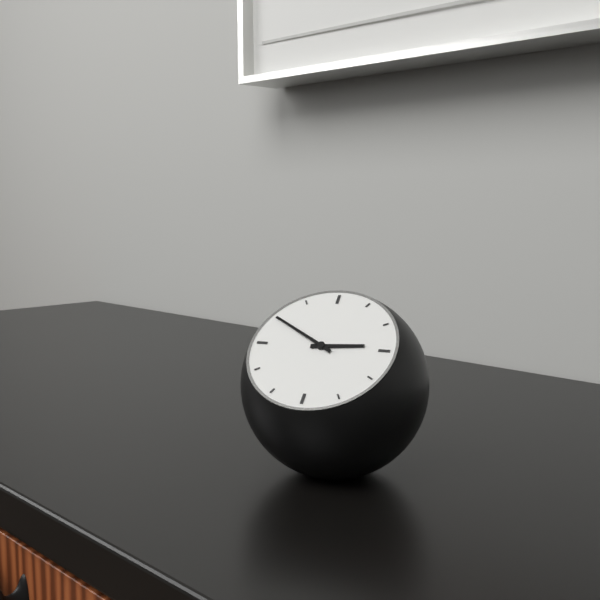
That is h=2 m=50
